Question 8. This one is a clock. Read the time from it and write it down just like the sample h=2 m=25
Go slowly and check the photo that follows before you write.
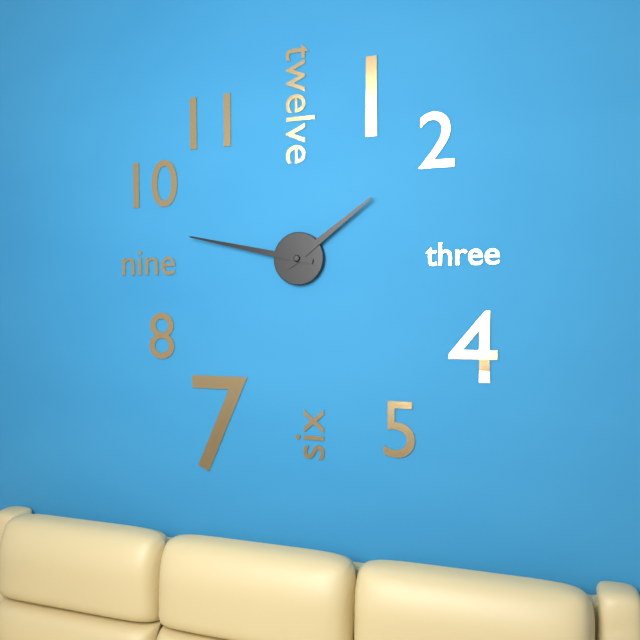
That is h=1 m=47
